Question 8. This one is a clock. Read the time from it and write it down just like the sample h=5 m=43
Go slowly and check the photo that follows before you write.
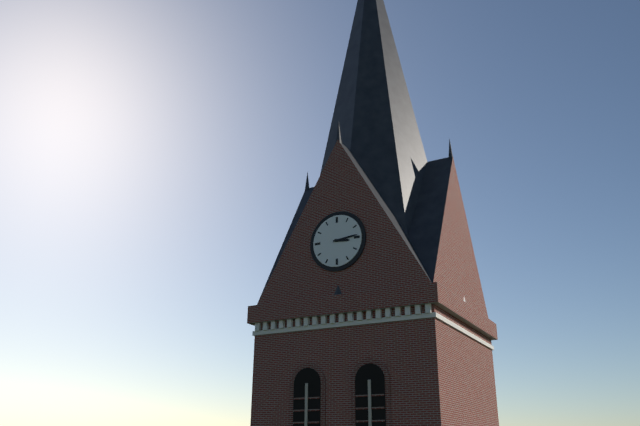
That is h=3 m=14
